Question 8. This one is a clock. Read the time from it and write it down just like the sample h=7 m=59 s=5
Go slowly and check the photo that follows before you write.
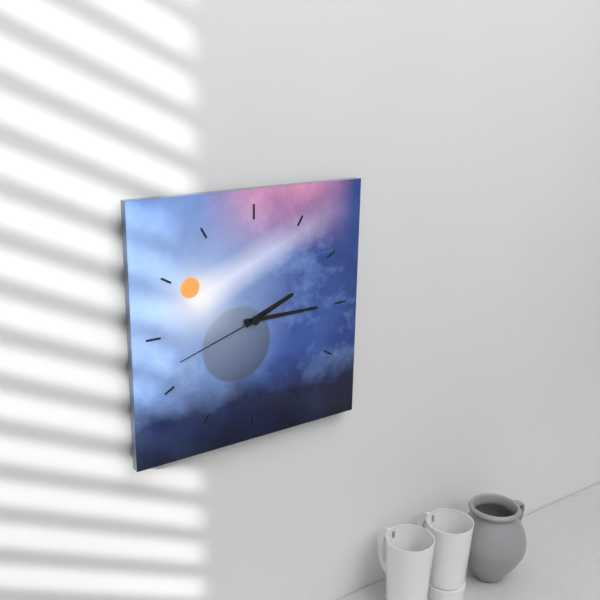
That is h=2 m=15 s=42
